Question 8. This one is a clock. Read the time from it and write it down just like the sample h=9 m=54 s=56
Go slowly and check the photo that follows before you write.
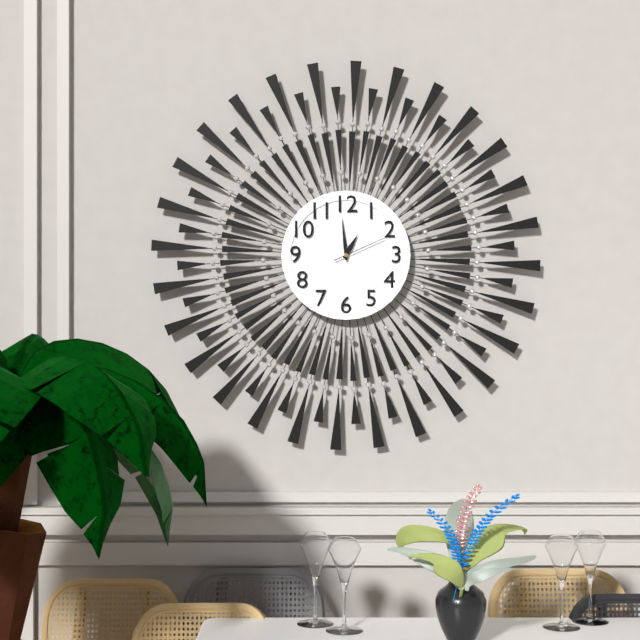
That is h=12 m=59 s=11
